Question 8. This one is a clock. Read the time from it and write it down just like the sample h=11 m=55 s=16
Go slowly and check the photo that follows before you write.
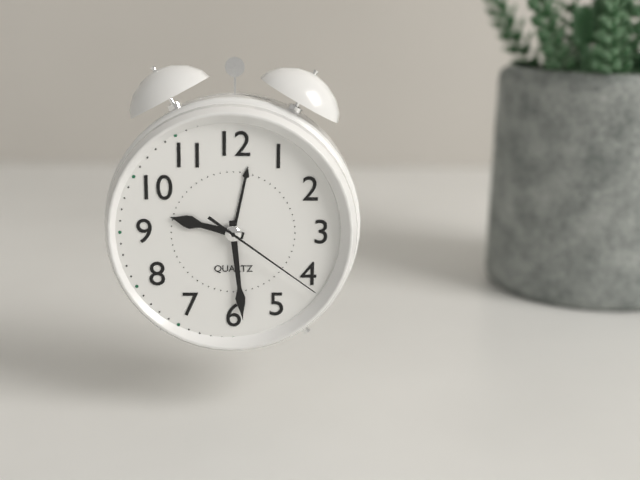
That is h=9 m=29 s=21
